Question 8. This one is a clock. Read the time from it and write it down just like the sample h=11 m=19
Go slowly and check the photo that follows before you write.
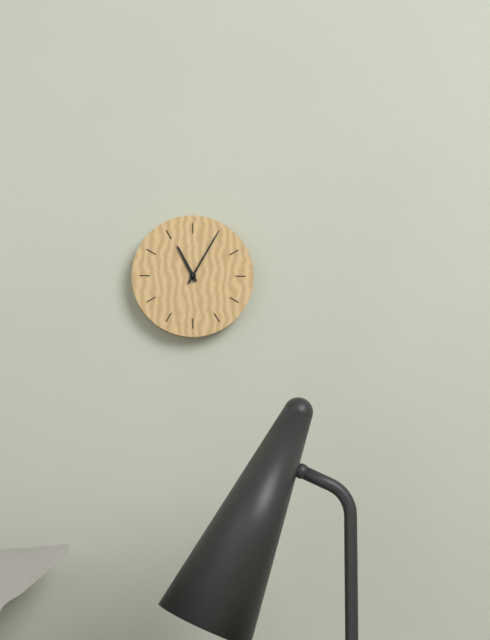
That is h=11 m=5
